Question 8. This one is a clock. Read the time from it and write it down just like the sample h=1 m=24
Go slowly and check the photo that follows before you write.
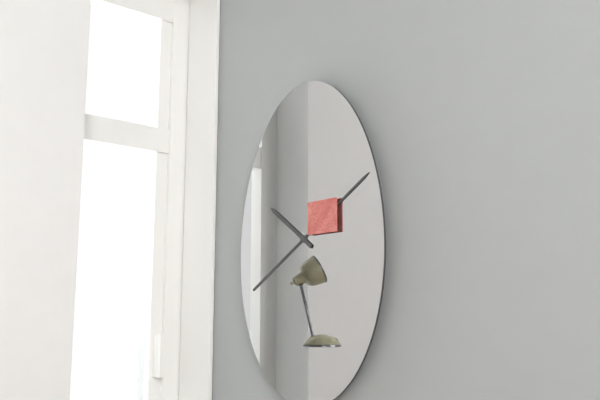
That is h=10 m=10
